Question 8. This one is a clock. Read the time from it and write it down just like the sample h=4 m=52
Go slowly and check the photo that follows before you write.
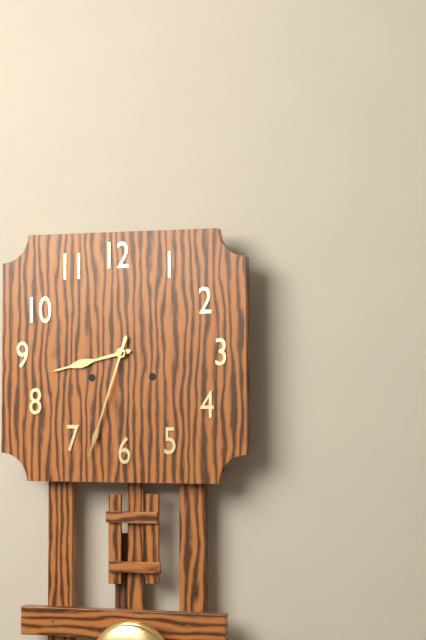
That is h=8 m=33
